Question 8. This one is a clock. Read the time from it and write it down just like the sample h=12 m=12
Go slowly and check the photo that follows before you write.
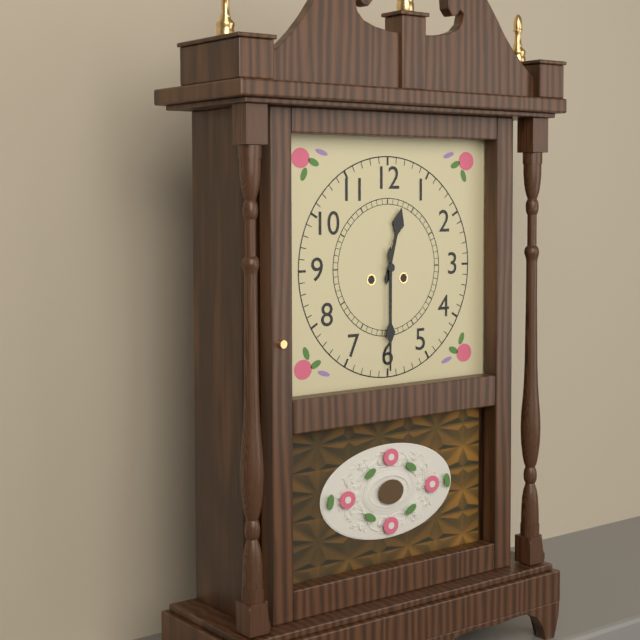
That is h=12 m=30
